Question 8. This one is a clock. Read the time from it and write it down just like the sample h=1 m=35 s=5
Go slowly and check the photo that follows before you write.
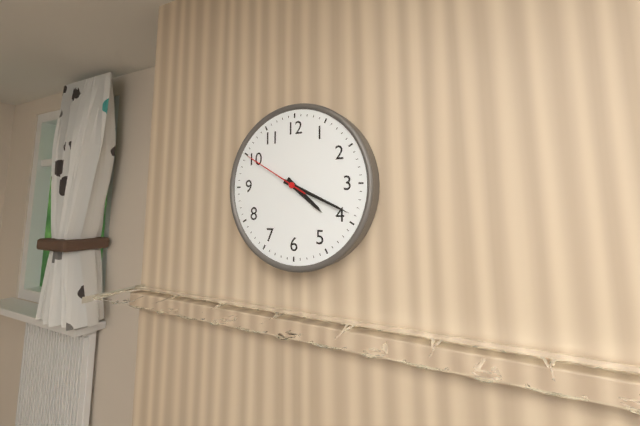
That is h=4 m=19 s=50
